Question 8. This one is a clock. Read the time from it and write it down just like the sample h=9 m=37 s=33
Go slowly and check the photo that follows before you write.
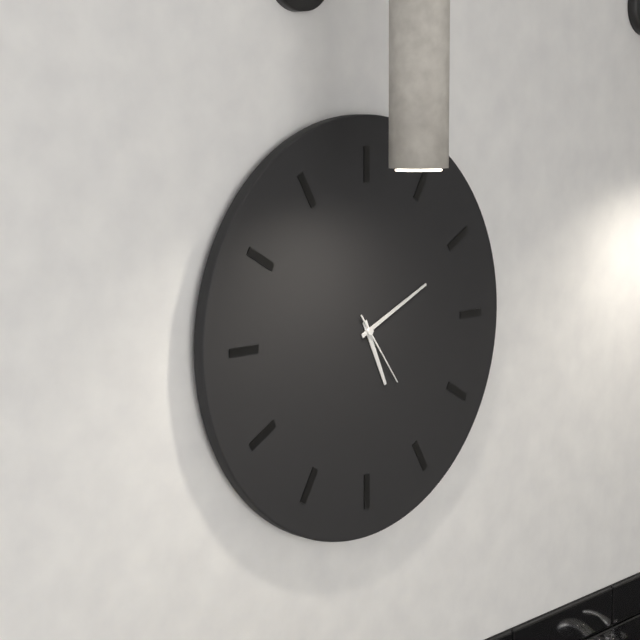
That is h=5 m=11 s=24
